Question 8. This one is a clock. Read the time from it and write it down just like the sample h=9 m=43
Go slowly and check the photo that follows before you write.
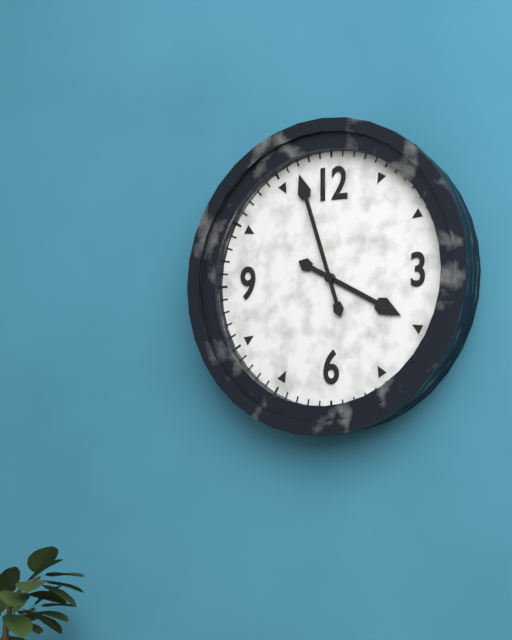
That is h=3 m=57
